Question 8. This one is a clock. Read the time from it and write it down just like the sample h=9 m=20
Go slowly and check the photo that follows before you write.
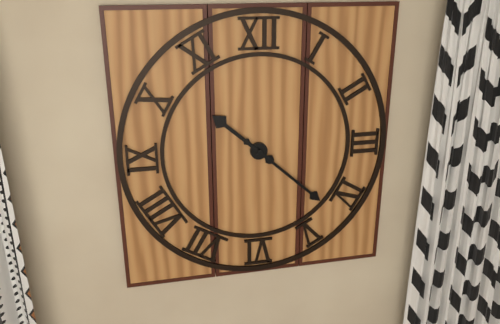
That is h=10 m=22
